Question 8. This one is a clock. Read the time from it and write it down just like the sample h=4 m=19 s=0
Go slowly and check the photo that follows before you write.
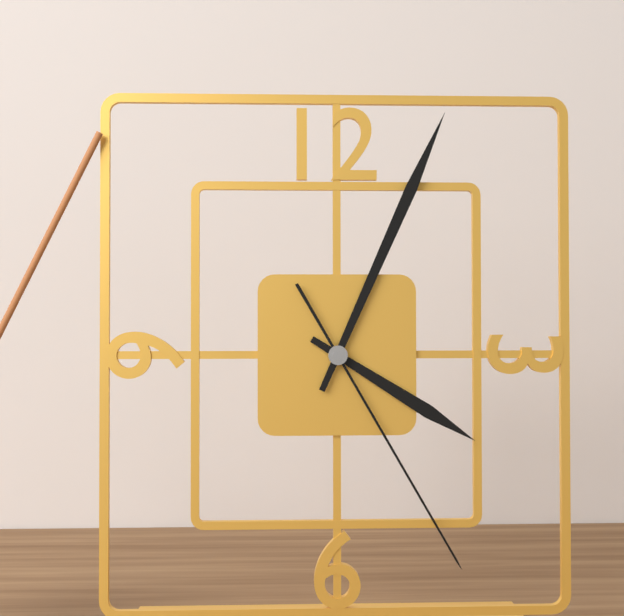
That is h=4 m=4 s=25
